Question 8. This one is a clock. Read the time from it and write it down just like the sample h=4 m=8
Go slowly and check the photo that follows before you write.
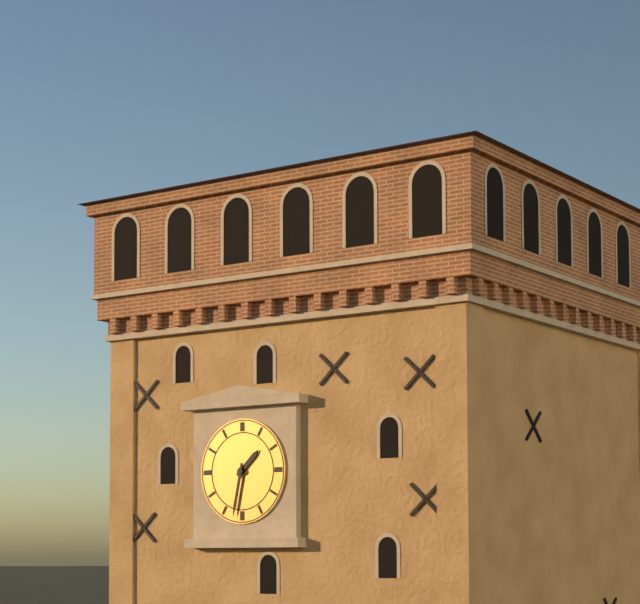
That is h=1 m=32
